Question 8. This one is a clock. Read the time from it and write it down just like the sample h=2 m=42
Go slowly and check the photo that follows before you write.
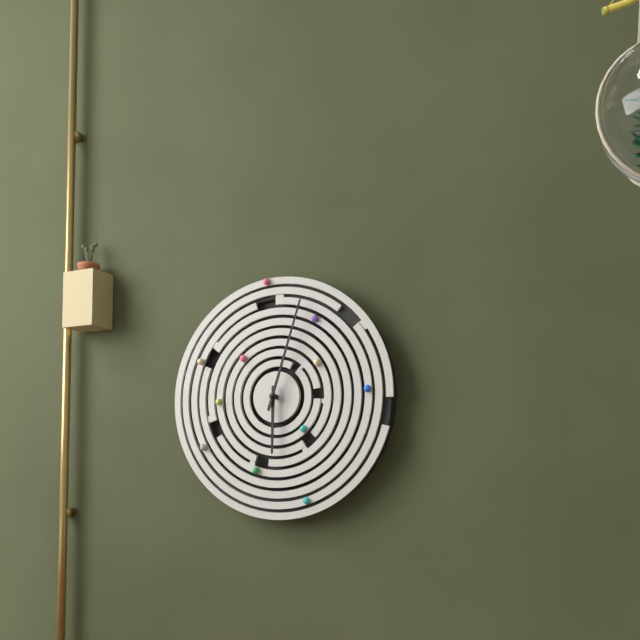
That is h=6 m=3
